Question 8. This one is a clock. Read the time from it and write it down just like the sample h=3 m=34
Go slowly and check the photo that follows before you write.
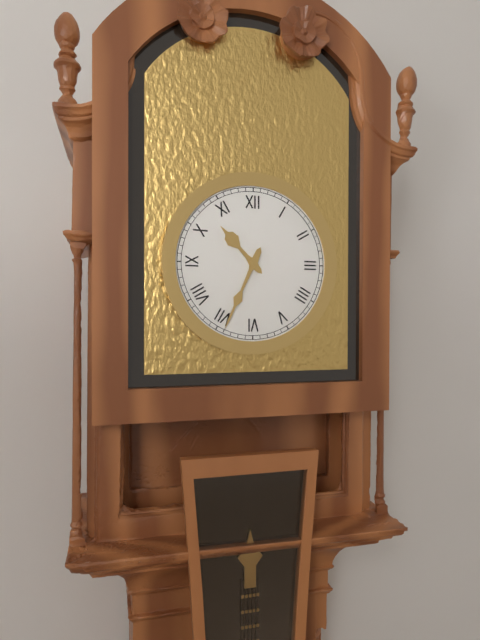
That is h=10 m=34
